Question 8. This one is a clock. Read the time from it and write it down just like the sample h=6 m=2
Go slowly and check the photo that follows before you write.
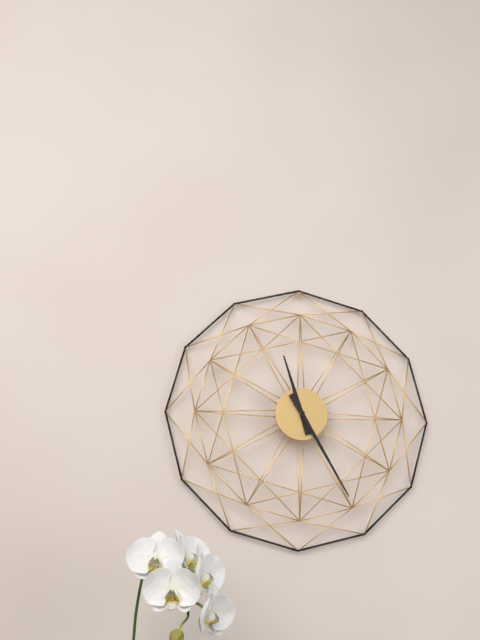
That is h=11 m=25
